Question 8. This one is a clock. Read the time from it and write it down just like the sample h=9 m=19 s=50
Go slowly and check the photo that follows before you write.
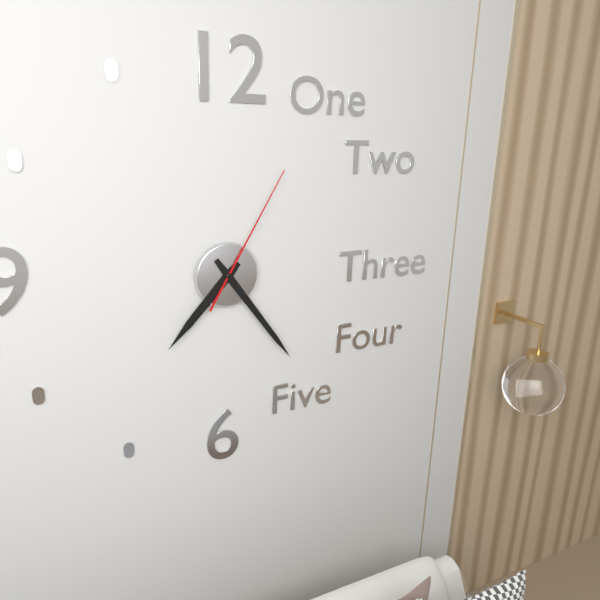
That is h=7 m=24 s=5
